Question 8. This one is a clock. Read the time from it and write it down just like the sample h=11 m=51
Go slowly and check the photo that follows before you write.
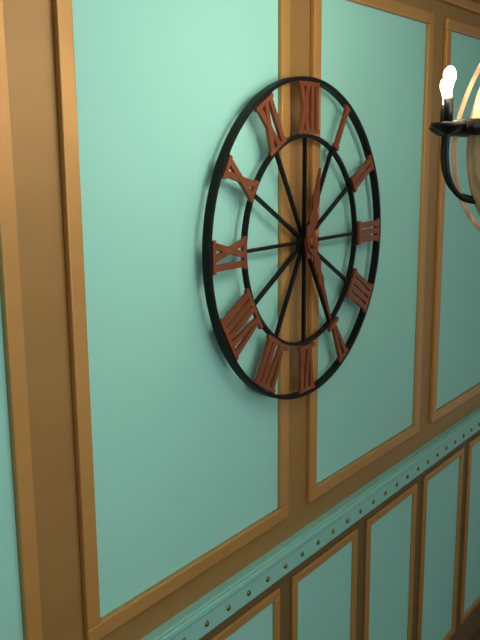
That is h=12 m=26
